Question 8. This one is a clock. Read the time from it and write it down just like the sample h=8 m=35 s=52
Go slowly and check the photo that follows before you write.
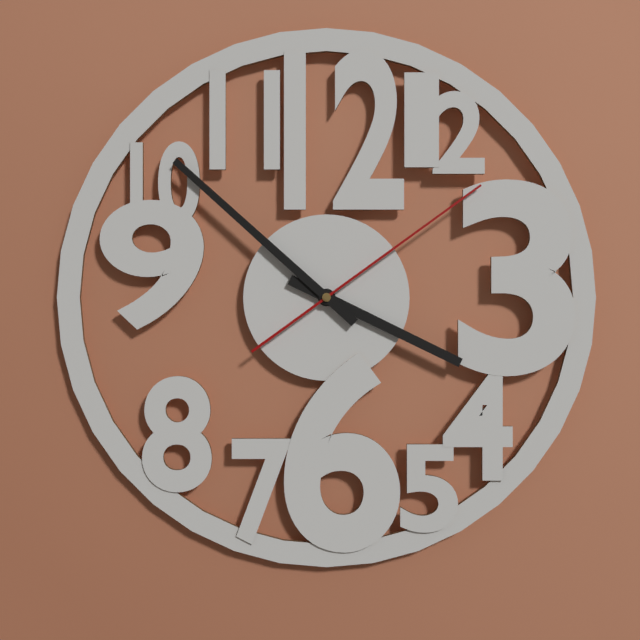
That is h=3 m=52 s=9
